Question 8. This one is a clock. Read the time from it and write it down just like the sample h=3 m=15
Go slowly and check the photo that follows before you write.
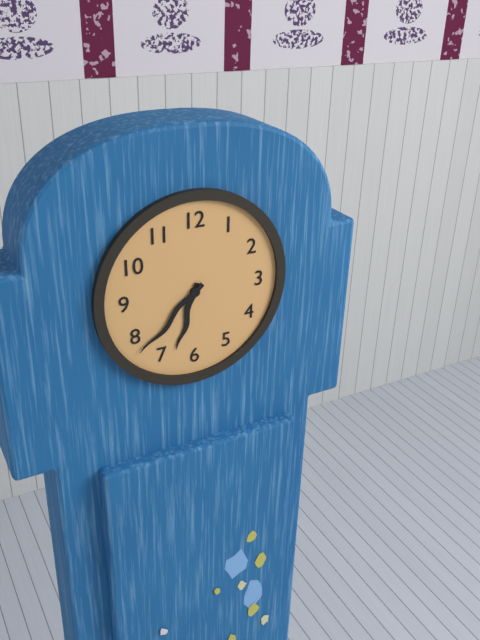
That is h=6 m=38
